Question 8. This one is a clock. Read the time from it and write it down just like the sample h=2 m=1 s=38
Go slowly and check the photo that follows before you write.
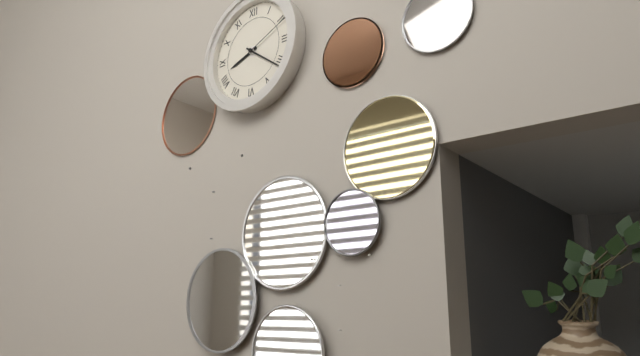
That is h=8 m=21 s=11
